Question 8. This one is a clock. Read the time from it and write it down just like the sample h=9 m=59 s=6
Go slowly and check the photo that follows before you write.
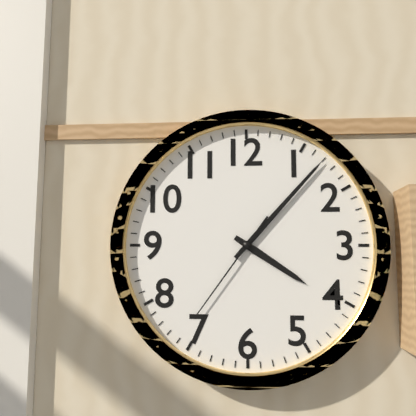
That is h=4 m=7 s=36
